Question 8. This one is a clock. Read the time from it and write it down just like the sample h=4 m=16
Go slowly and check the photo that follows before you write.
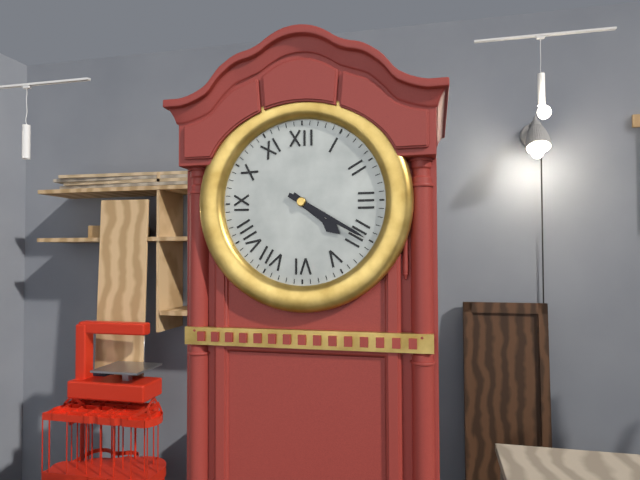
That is h=4 m=20
